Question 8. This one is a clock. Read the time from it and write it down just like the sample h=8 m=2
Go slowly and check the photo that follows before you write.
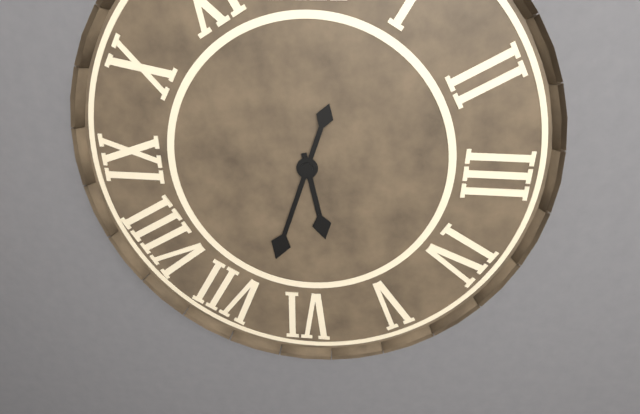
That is h=5 m=33
